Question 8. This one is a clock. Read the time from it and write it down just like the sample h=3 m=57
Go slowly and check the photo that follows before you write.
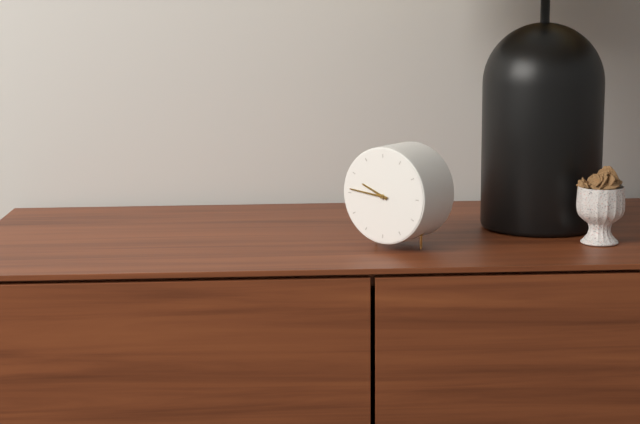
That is h=9 m=46
